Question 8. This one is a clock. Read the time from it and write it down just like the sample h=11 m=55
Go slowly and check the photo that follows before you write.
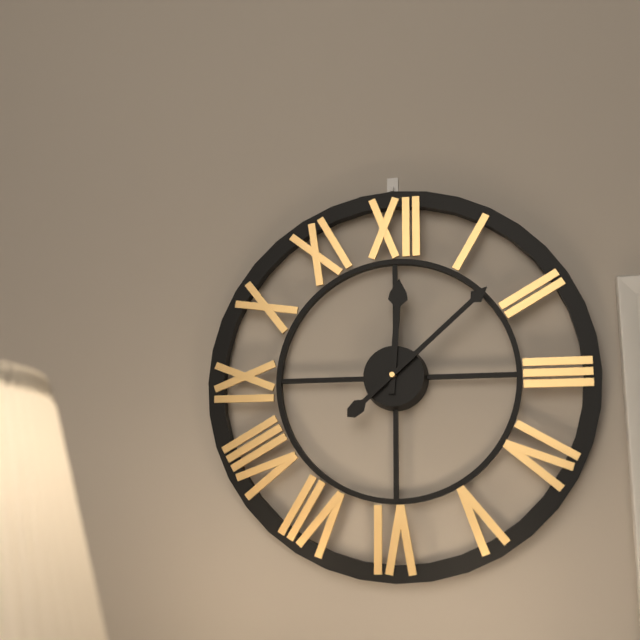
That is h=12 m=8
